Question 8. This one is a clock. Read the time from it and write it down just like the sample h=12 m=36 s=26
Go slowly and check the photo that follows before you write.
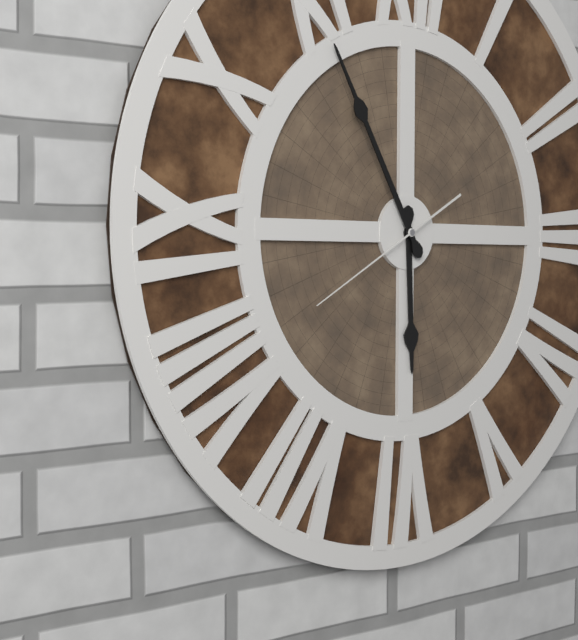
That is h=5 m=55 s=40
